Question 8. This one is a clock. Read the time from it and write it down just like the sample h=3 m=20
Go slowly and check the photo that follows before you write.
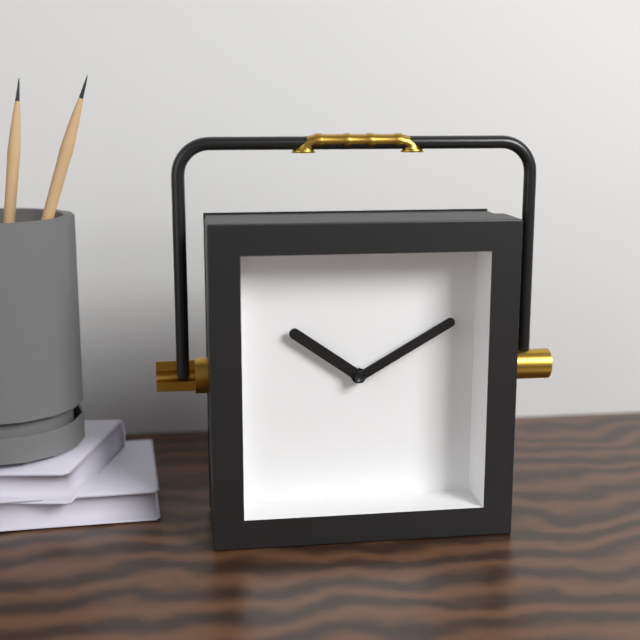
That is h=10 m=10
